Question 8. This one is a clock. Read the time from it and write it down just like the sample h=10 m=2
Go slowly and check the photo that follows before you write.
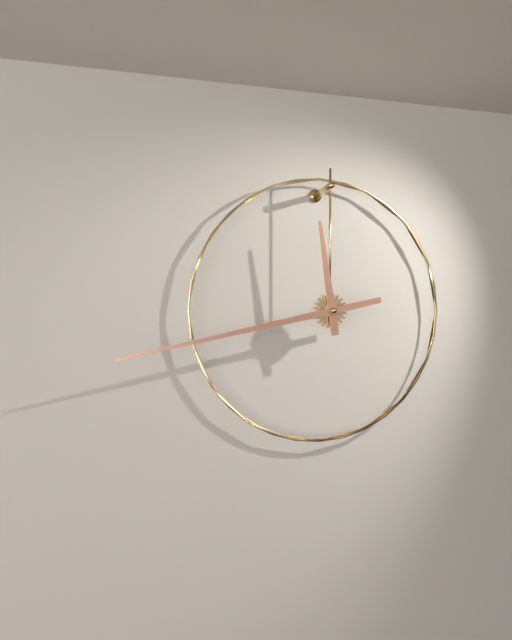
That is h=11 m=43
